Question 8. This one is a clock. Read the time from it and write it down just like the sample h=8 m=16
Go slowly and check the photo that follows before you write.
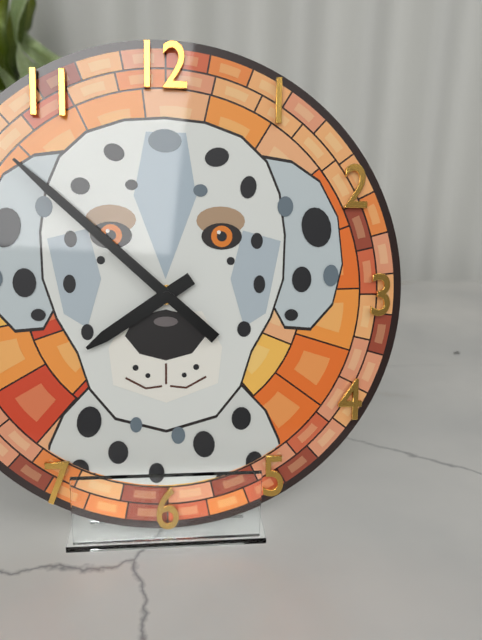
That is h=7 m=52
